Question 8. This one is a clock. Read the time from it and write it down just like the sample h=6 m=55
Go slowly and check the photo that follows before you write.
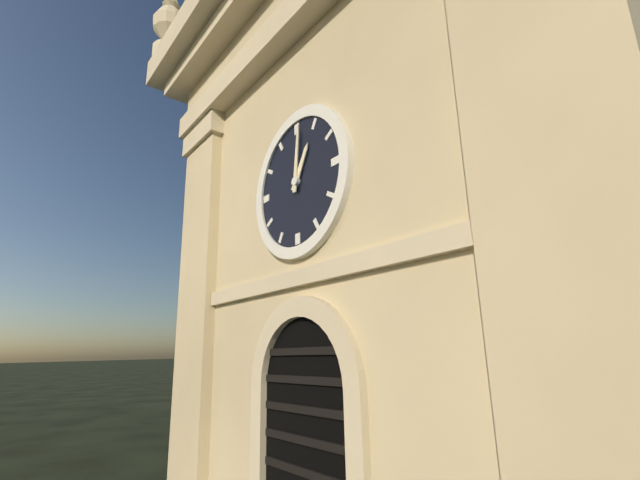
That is h=1 m=1
